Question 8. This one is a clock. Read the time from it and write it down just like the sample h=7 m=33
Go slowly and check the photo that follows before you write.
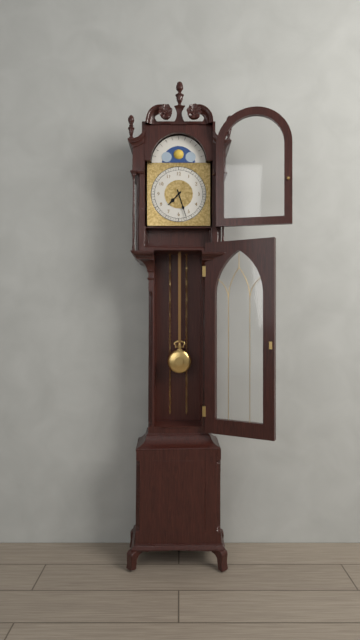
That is h=7 m=27
